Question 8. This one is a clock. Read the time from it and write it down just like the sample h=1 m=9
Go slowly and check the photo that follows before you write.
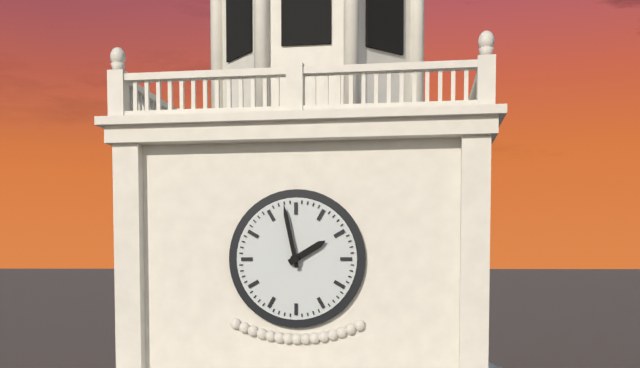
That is h=1 m=58
